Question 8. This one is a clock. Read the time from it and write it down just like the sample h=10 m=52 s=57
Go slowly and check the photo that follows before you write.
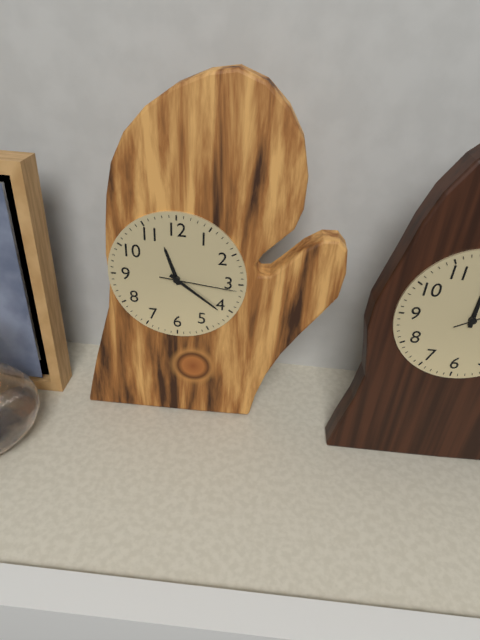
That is h=11 m=21 s=16
